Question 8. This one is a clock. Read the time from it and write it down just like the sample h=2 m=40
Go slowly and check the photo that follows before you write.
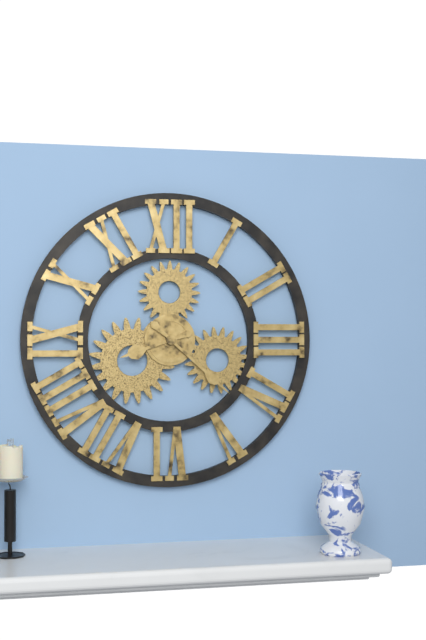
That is h=8 m=22
